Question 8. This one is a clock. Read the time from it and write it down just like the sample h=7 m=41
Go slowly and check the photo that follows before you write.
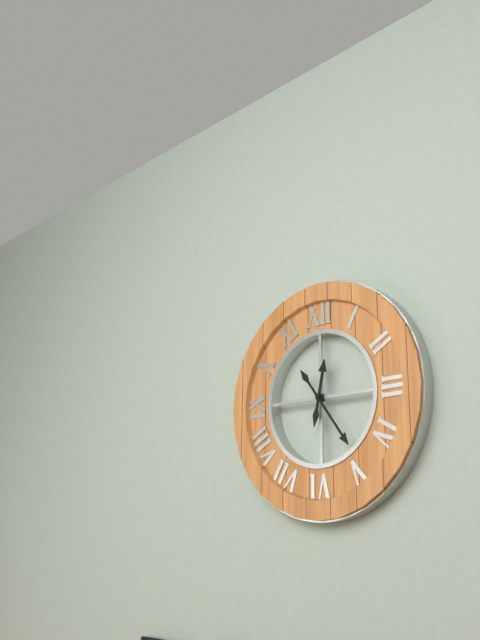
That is h=12 m=24
